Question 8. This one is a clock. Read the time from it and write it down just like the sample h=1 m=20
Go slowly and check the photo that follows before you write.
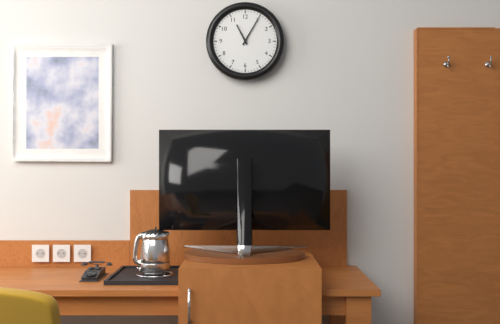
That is h=11 m=5
